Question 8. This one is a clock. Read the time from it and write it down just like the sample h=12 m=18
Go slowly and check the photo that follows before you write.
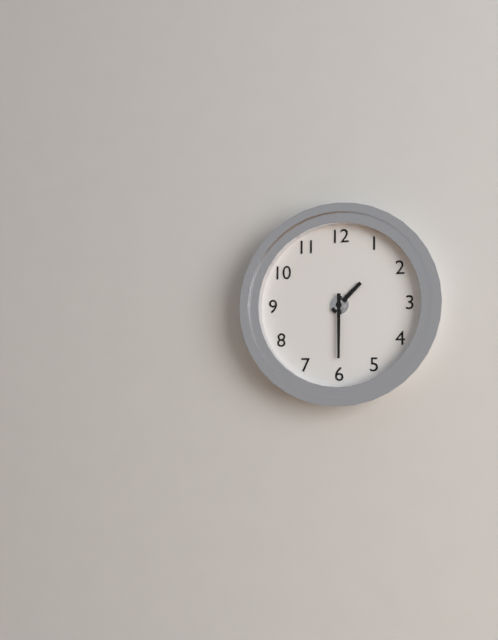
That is h=1 m=30
